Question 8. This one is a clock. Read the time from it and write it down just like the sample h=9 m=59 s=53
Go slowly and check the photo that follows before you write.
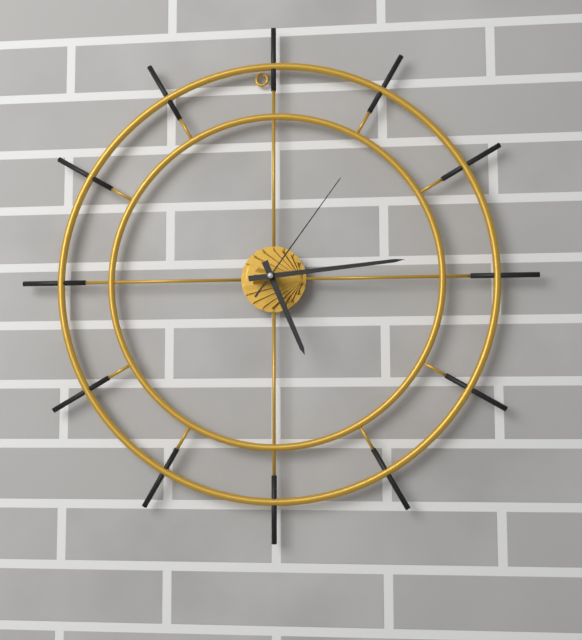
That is h=5 m=14 s=6
